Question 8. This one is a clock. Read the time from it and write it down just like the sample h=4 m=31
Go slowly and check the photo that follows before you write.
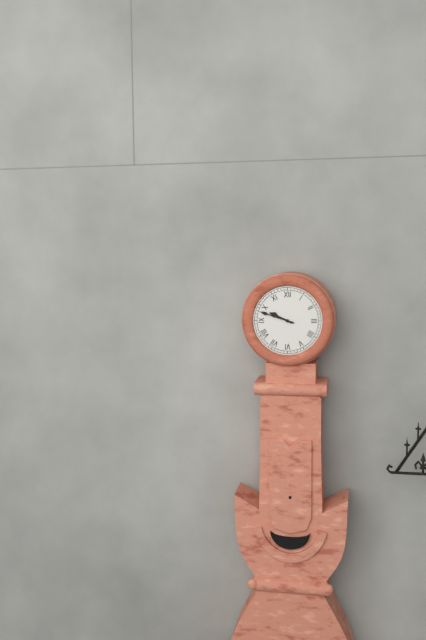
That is h=9 m=48
